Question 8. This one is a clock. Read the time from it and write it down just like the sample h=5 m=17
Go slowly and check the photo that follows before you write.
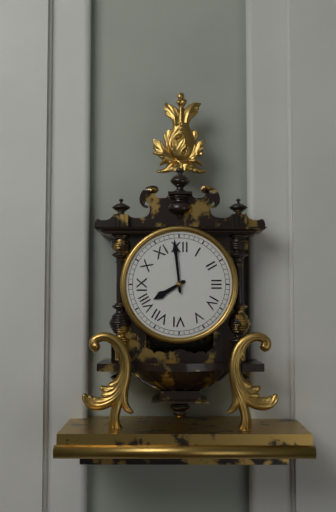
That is h=7 m=59
